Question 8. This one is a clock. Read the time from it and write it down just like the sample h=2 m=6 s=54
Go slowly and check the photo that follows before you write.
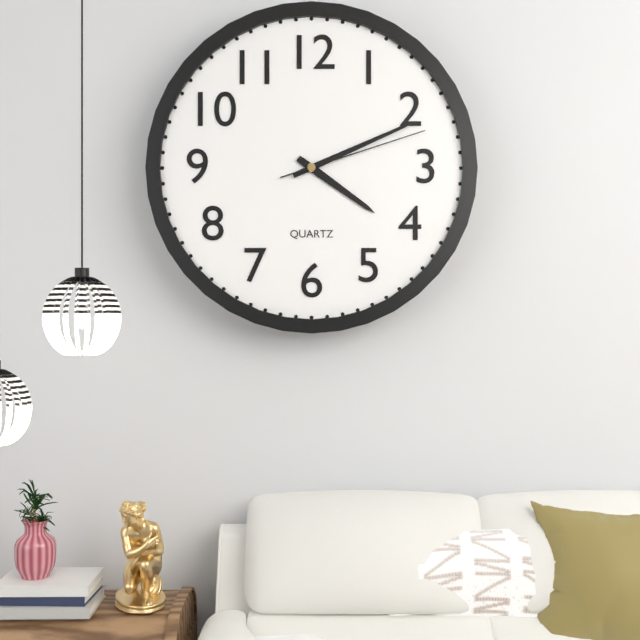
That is h=4 m=11 s=12
